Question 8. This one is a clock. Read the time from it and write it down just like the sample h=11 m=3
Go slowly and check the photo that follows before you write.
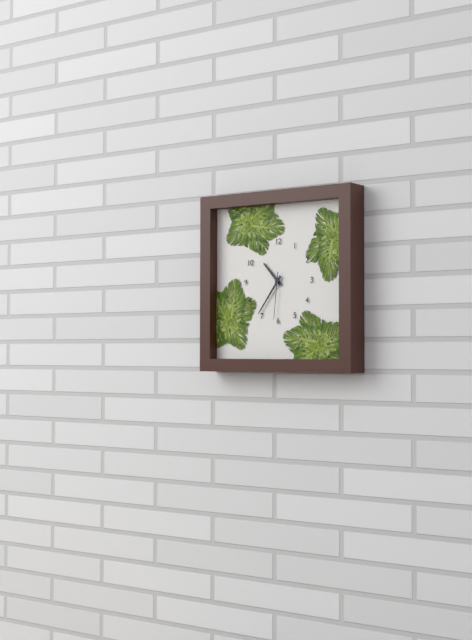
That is h=10 m=36
